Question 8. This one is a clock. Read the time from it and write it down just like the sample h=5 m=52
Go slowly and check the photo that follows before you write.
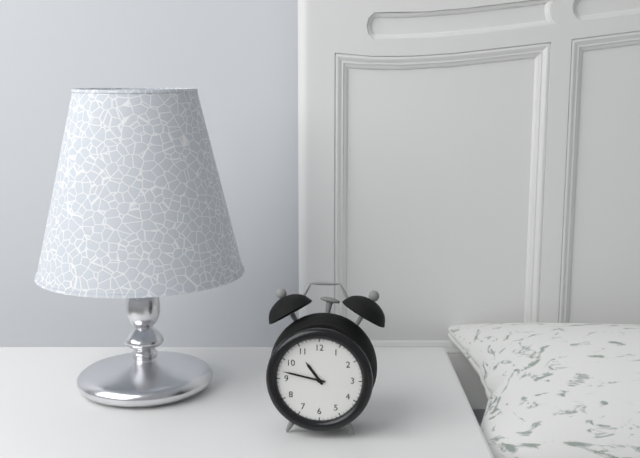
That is h=10 m=47
